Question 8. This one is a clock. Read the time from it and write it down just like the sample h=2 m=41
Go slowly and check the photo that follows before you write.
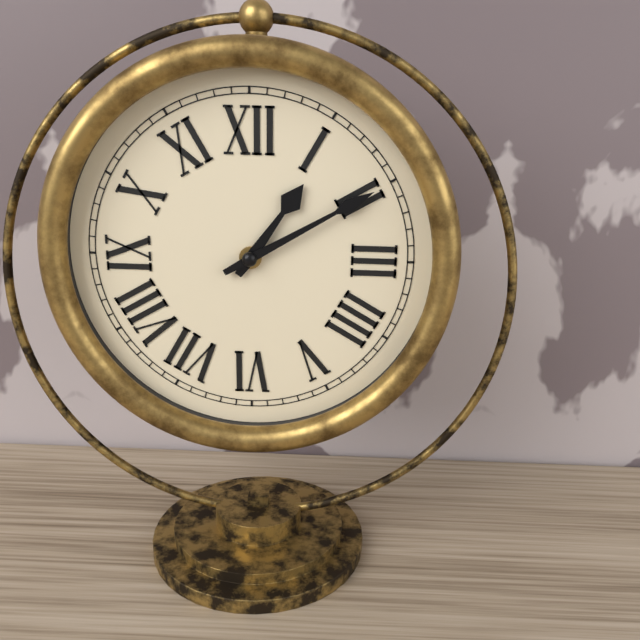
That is h=1 m=10
